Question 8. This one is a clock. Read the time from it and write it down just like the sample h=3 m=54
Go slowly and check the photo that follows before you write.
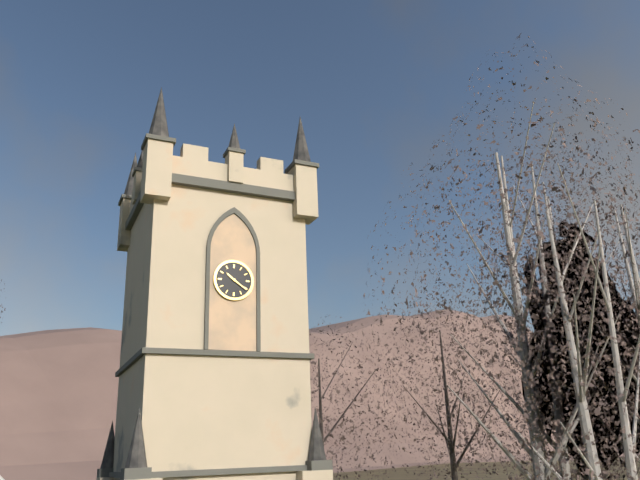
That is h=10 m=21
